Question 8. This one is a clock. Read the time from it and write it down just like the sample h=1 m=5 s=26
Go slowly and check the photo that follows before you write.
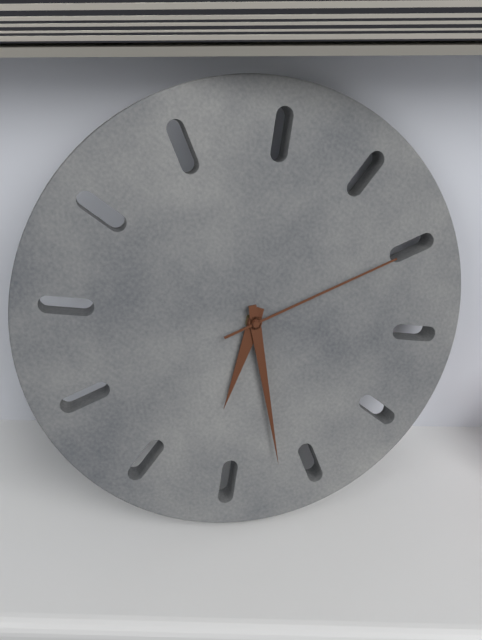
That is h=5 m=22 s=5
